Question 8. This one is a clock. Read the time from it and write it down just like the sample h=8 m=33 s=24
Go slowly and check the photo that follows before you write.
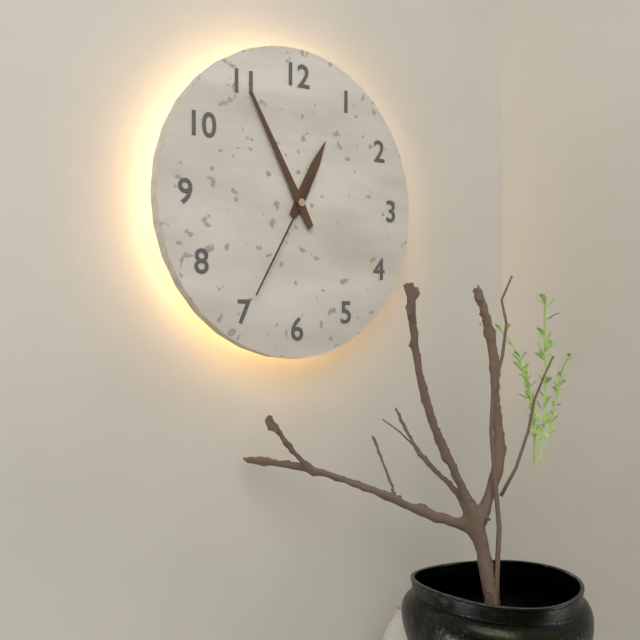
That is h=12 m=55 s=35
